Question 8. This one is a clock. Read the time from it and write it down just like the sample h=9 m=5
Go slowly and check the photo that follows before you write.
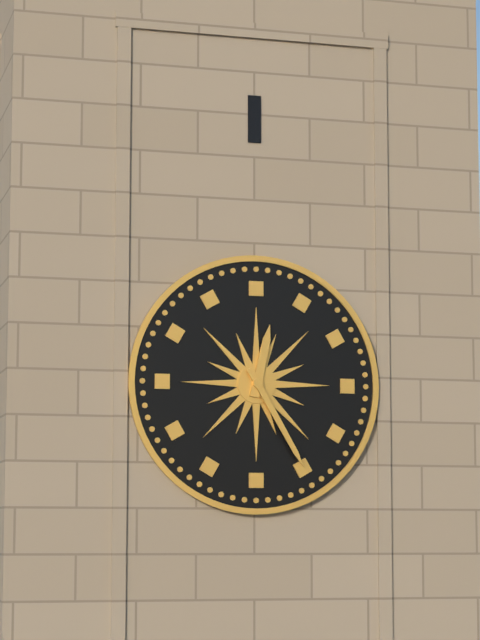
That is h=12 m=25
